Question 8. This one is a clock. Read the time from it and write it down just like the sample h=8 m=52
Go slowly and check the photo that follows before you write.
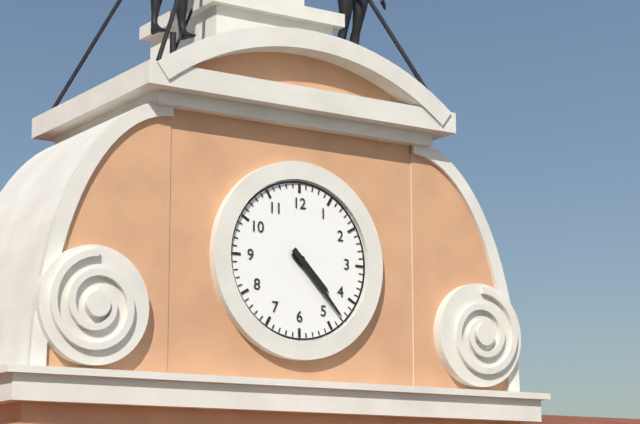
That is h=4 m=23
